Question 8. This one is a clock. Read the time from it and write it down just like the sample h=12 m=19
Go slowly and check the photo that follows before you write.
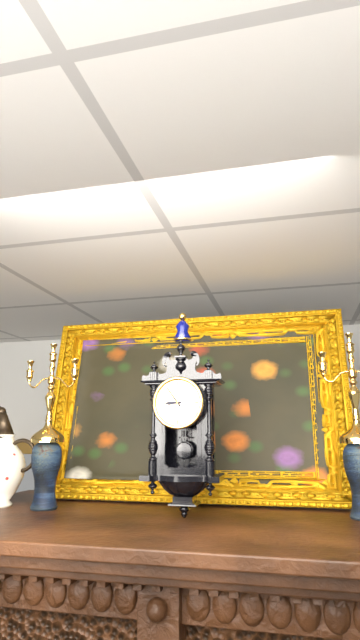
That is h=8 m=54
